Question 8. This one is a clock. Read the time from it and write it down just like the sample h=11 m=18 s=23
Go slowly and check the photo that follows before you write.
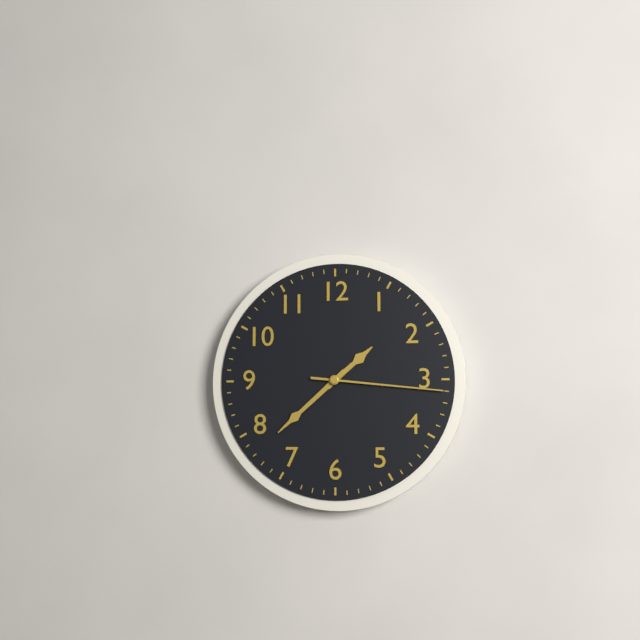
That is h=1 m=38 s=16
